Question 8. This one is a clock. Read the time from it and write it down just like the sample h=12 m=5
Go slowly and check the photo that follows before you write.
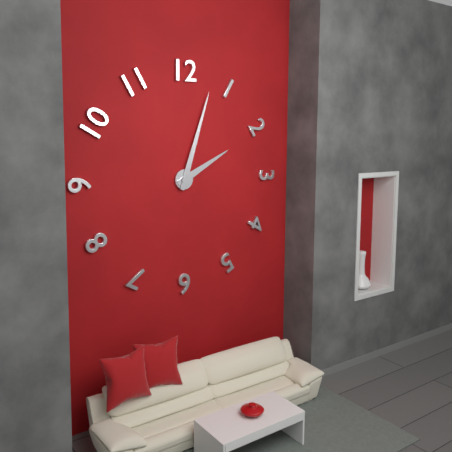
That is h=2 m=3
